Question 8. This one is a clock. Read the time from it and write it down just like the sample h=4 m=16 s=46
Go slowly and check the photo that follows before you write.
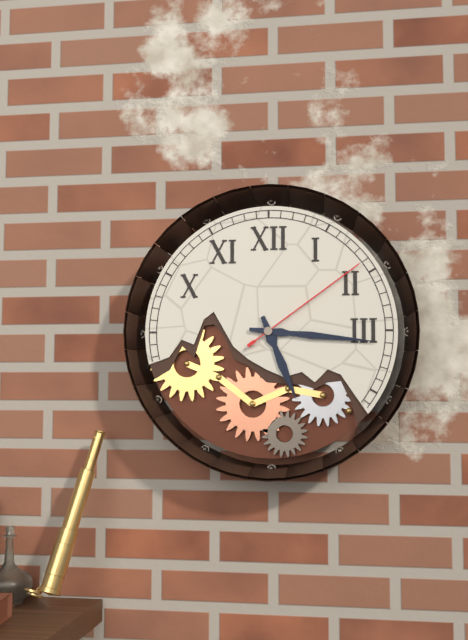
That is h=5 m=16 s=9
